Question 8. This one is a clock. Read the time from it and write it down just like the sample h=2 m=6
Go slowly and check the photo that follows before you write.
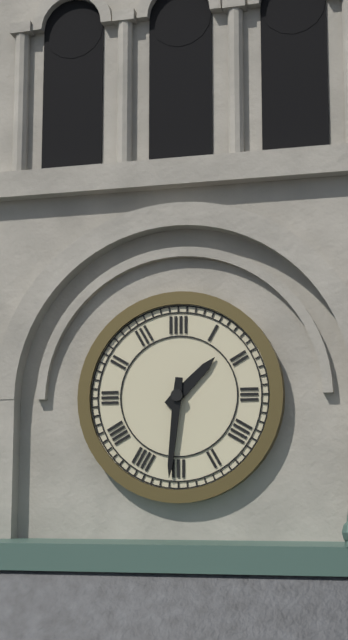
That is h=1 m=31
